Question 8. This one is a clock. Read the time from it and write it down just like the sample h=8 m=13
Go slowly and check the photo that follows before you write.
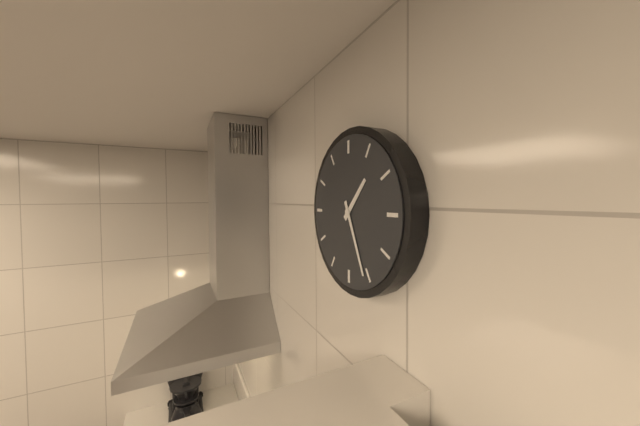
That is h=1 m=26
